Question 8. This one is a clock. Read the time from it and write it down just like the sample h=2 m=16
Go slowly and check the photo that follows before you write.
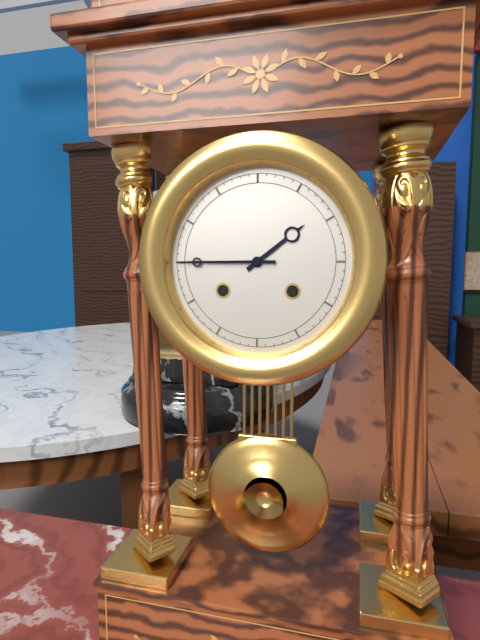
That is h=1 m=45
